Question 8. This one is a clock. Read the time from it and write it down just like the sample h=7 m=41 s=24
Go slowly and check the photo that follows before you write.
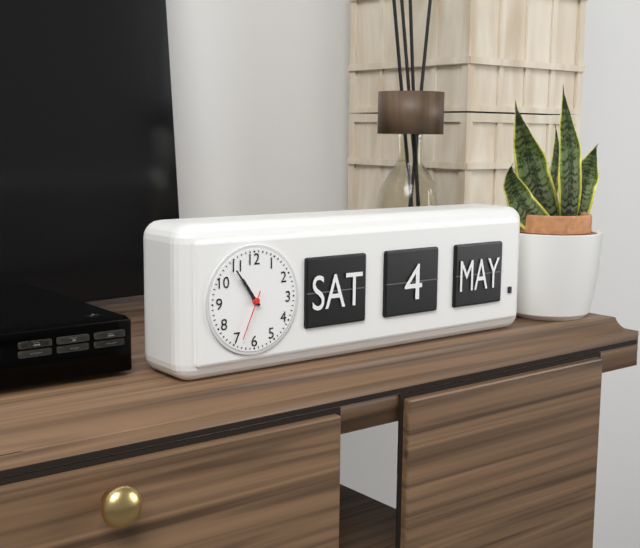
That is h=10 m=54 s=34
